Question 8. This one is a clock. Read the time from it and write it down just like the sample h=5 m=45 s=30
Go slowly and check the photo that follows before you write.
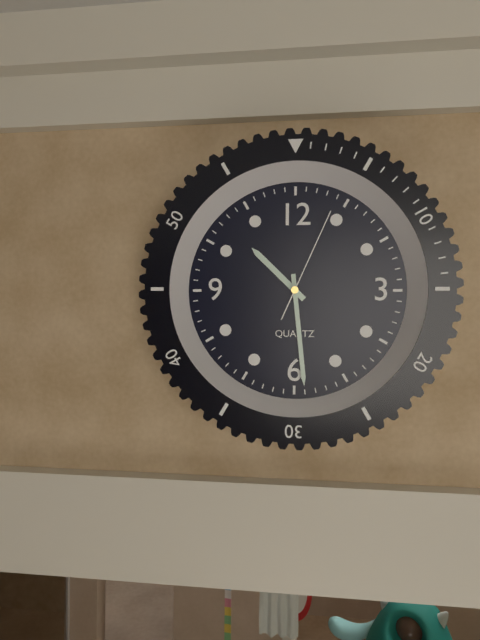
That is h=10 m=29 s=4
